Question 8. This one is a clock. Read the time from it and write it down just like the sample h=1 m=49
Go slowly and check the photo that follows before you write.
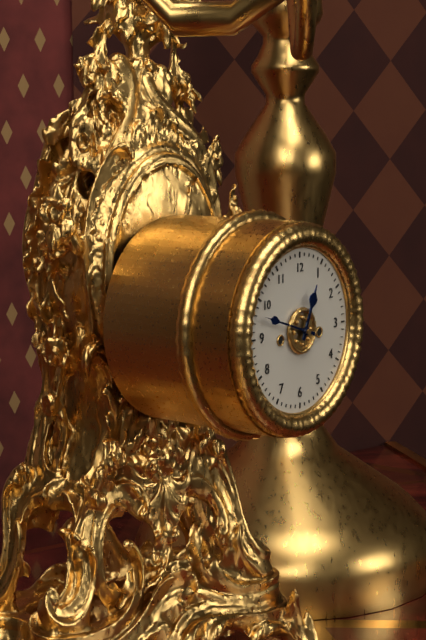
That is h=12 m=48
